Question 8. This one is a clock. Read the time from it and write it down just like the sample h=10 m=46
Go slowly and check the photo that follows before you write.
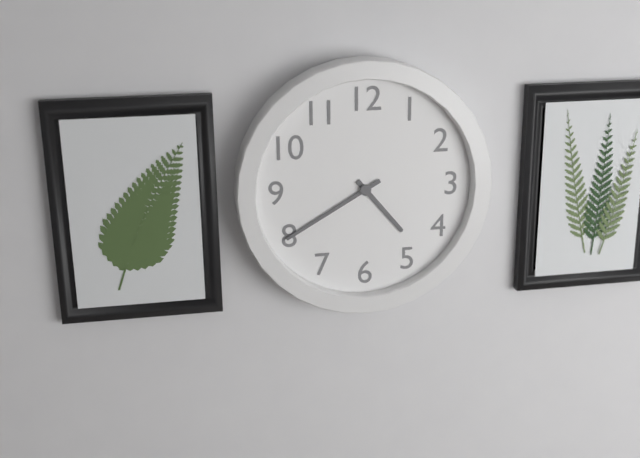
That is h=4 m=40
